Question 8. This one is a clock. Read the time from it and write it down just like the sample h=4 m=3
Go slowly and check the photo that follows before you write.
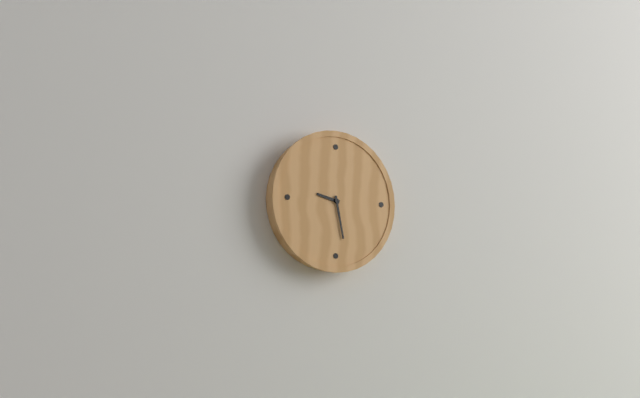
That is h=9 m=28
